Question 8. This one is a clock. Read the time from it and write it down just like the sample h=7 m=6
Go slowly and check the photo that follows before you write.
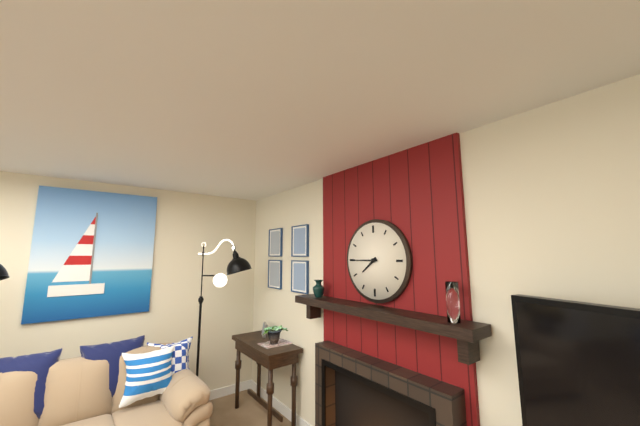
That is h=7 m=45
